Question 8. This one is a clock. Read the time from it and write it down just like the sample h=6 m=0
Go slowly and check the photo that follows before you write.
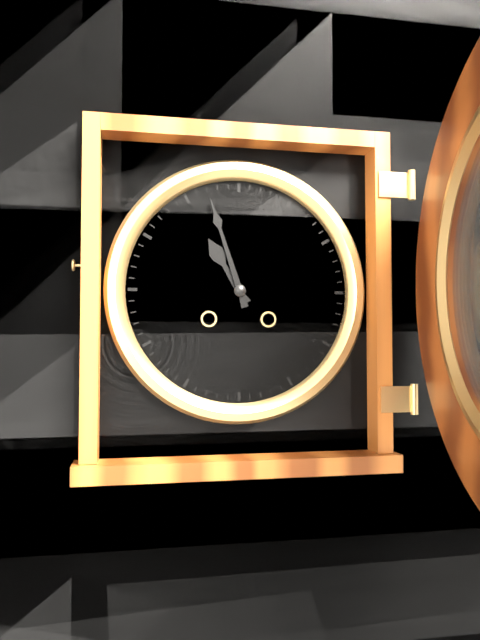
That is h=10 m=57
